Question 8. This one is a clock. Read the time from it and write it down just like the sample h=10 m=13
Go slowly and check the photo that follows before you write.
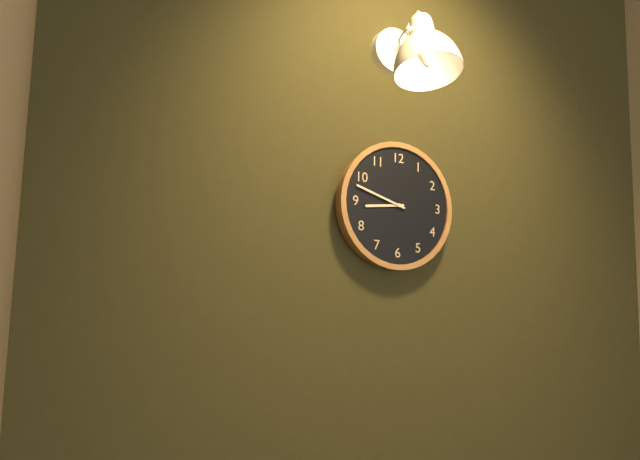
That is h=8 m=48
